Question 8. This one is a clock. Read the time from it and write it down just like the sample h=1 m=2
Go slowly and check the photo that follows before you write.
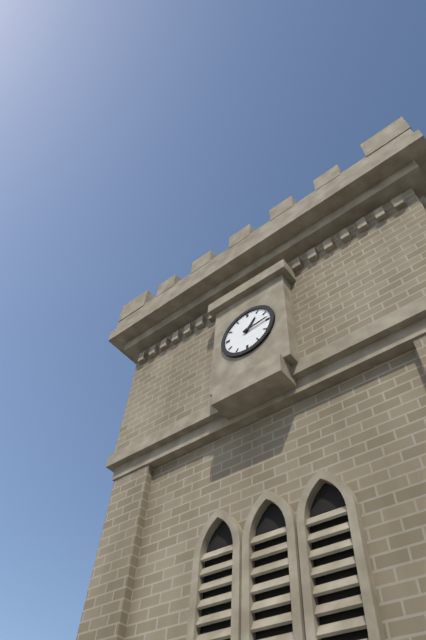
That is h=1 m=14
